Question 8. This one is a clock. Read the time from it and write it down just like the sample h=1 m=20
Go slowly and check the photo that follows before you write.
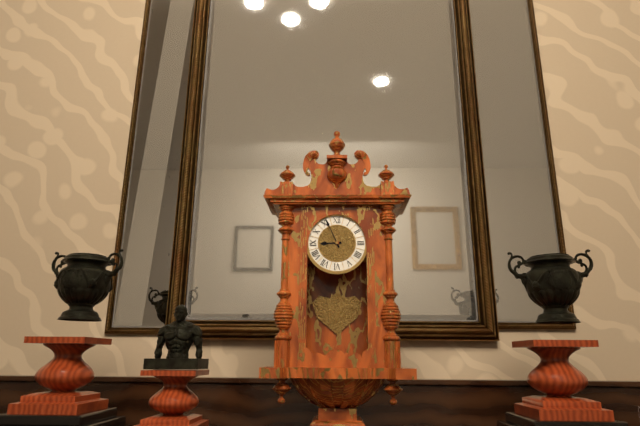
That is h=8 m=56
